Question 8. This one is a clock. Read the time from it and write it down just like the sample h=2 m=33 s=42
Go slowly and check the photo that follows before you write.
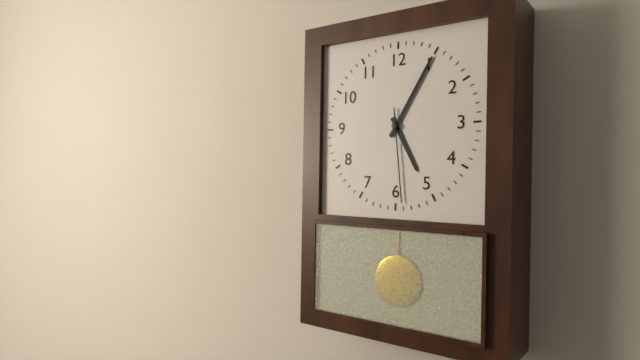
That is h=5 m=5 s=29
